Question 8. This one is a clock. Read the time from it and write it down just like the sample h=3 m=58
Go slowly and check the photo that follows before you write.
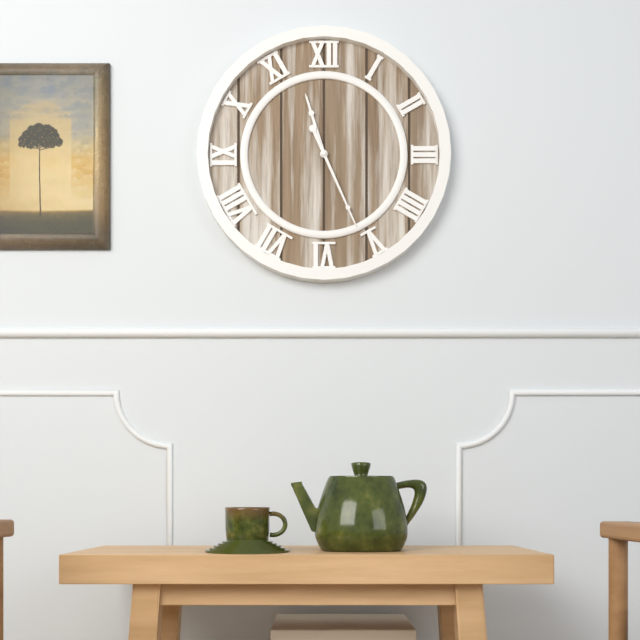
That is h=11 m=26
